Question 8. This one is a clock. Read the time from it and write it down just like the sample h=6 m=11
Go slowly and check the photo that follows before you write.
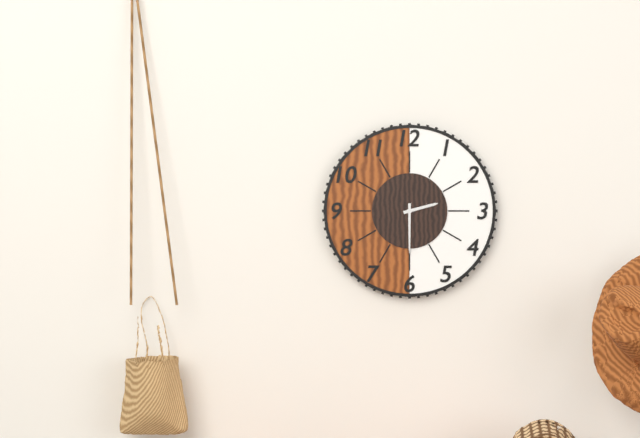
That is h=2 m=30
